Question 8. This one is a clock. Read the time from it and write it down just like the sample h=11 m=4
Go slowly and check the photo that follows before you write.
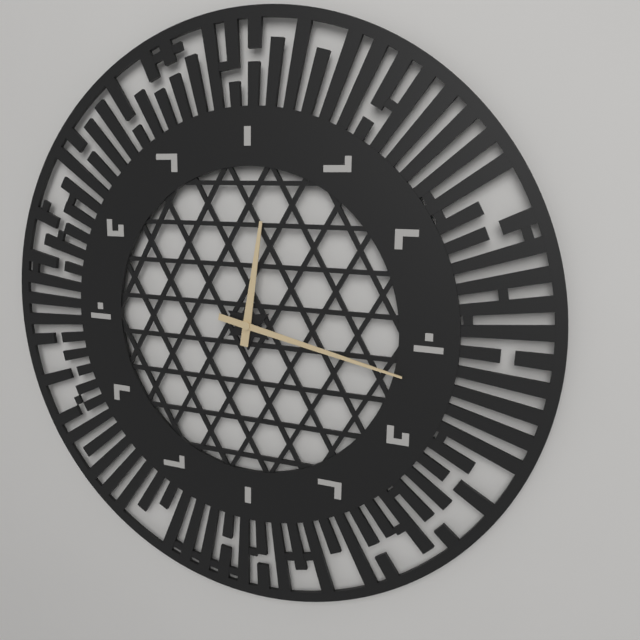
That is h=12 m=17
